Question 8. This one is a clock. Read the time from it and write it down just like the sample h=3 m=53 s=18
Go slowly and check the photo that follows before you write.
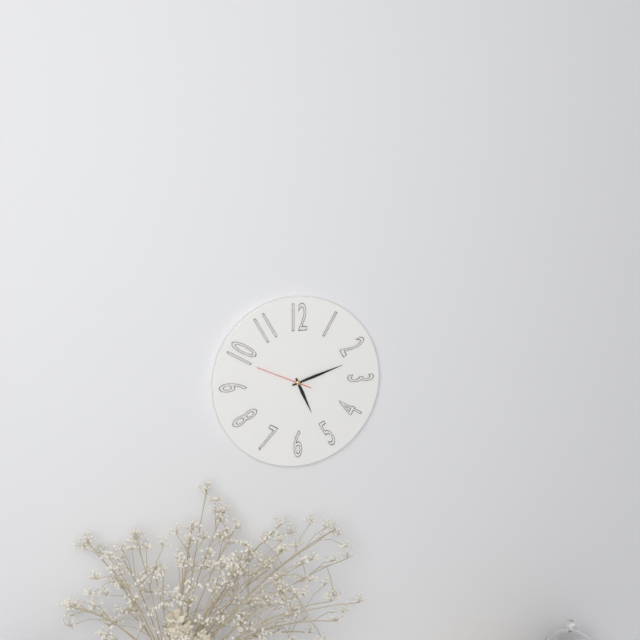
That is h=5 m=12 s=49
